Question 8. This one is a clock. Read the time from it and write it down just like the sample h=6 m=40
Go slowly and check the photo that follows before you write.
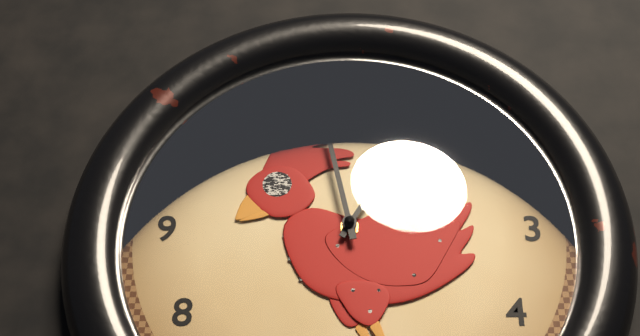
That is h=12 m=58
